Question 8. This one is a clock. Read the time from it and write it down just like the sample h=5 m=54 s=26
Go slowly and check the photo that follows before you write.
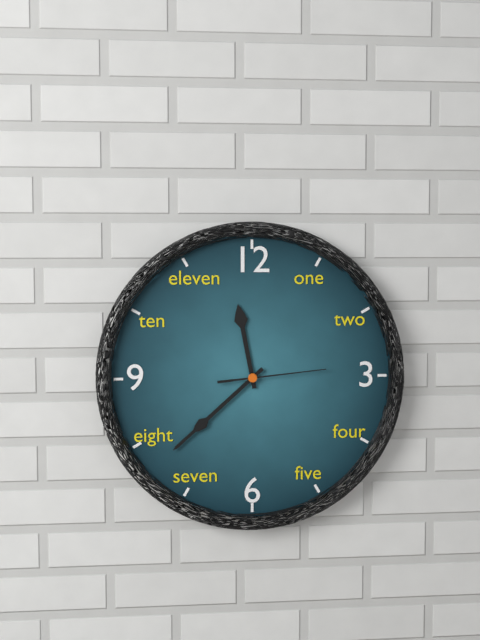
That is h=11 m=38 s=14
